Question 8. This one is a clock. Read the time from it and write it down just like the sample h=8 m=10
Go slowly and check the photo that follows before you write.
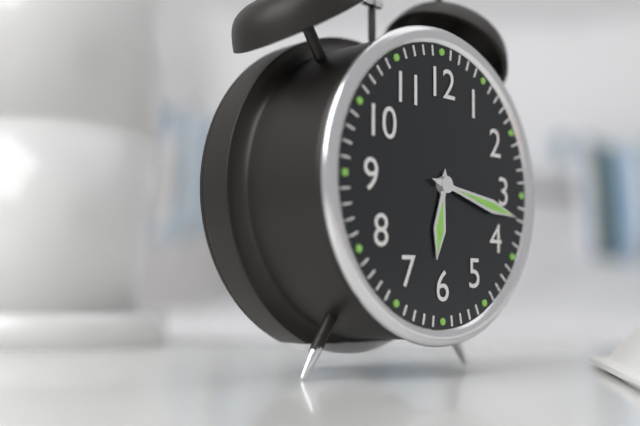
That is h=6 m=17
